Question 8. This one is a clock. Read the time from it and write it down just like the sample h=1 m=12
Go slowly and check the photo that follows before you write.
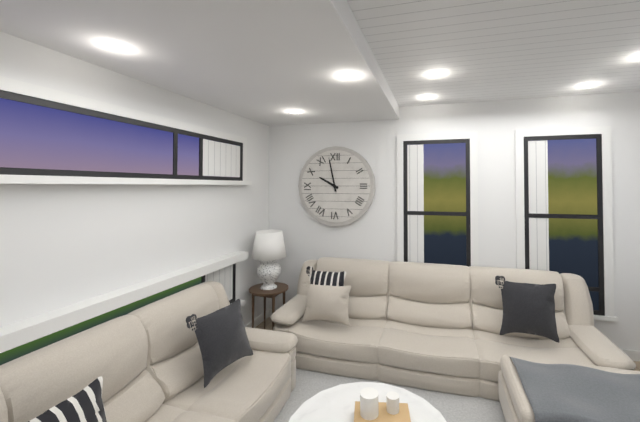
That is h=9 m=58
